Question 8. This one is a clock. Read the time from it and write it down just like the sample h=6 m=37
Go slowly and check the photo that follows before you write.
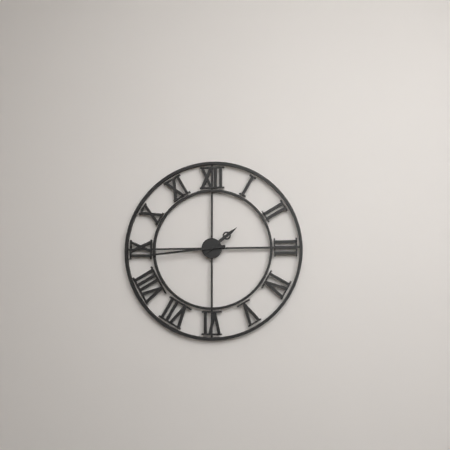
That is h=1 m=44
